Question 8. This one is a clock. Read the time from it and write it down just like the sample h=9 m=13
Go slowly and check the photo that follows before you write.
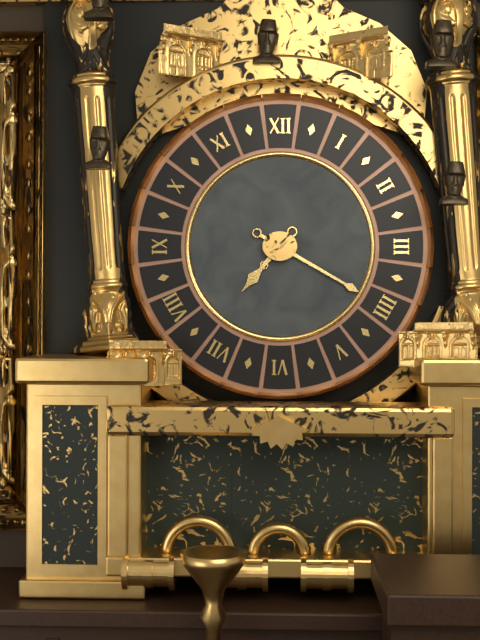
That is h=7 m=20
